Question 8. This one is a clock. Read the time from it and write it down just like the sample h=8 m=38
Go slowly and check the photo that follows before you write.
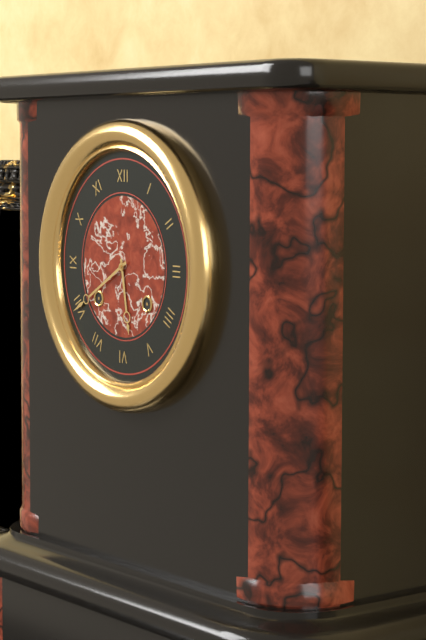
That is h=5 m=40
